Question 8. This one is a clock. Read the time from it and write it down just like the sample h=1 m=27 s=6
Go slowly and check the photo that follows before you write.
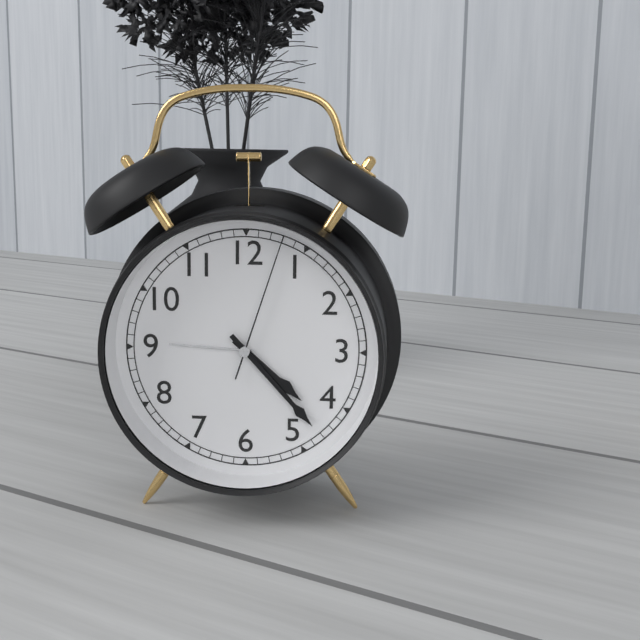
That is h=4 m=23 s=3
